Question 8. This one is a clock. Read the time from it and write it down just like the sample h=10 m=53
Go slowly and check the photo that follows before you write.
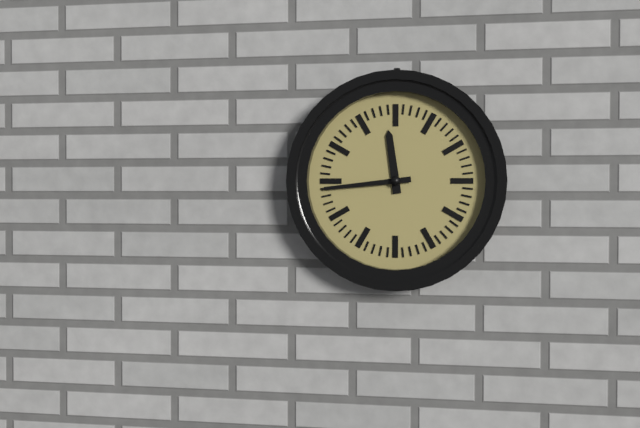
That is h=11 m=44
